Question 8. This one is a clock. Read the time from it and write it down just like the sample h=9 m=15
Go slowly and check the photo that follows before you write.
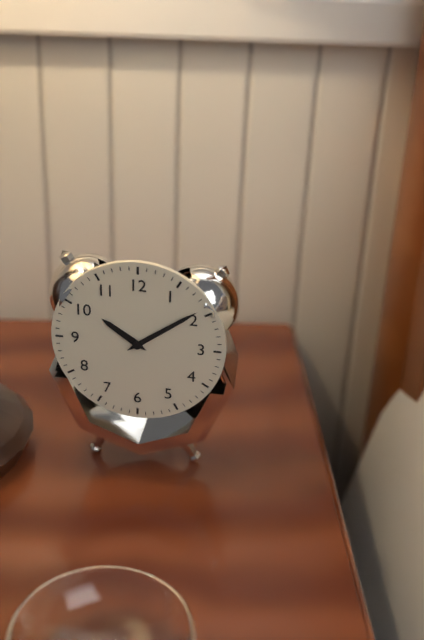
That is h=10 m=9
